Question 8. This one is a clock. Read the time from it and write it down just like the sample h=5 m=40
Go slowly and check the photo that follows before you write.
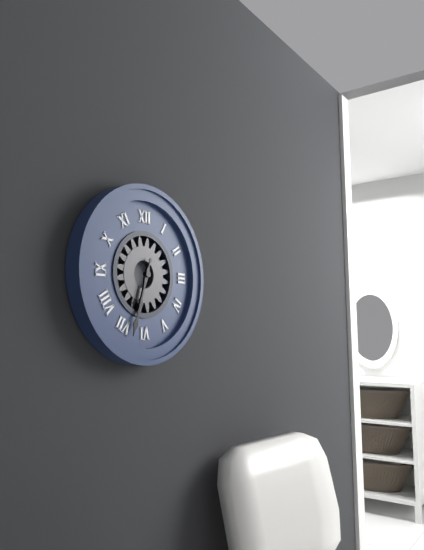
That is h=6 m=33
